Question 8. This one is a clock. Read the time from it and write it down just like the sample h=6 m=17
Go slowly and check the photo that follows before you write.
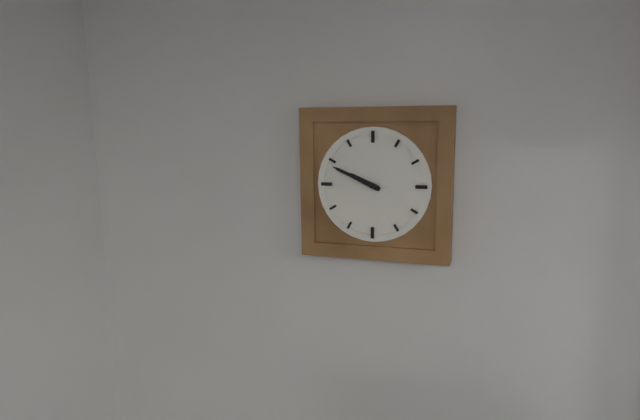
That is h=9 m=49
